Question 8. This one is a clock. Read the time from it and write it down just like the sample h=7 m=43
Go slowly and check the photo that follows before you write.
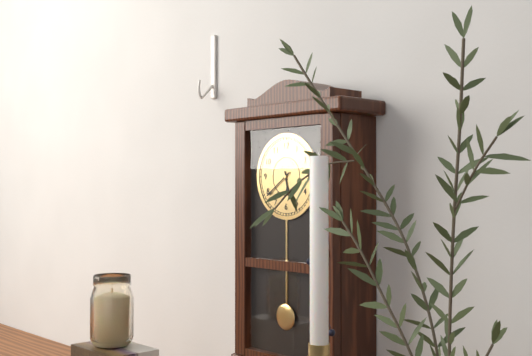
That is h=5 m=39
